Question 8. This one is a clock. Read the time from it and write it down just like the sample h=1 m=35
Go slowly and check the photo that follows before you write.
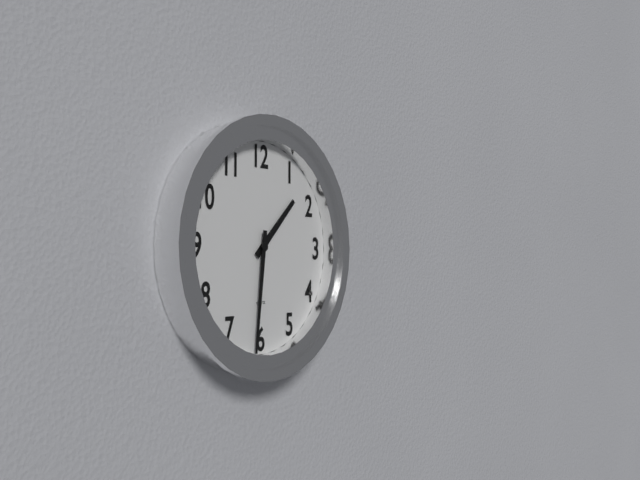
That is h=1 m=31
